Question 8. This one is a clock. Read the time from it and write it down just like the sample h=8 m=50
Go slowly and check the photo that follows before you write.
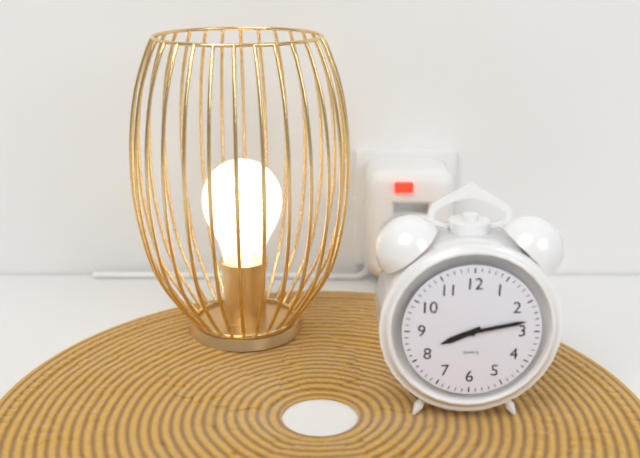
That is h=8 m=13
